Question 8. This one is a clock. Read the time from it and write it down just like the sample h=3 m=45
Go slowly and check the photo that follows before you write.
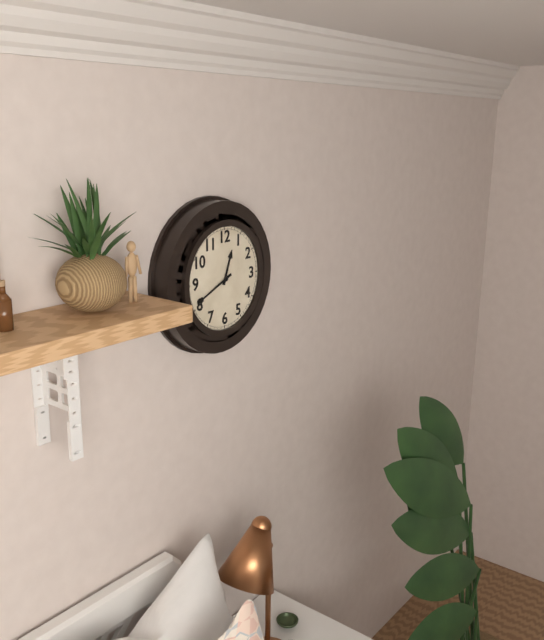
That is h=12 m=41
